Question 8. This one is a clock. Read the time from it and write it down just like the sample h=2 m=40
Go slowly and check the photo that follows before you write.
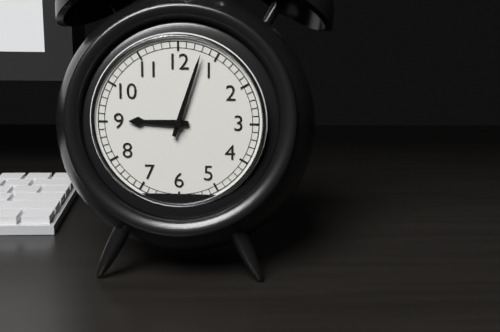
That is h=9 m=3
